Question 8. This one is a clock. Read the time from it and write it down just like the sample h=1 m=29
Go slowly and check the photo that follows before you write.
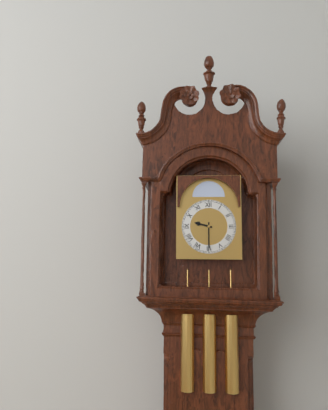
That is h=9 m=30
